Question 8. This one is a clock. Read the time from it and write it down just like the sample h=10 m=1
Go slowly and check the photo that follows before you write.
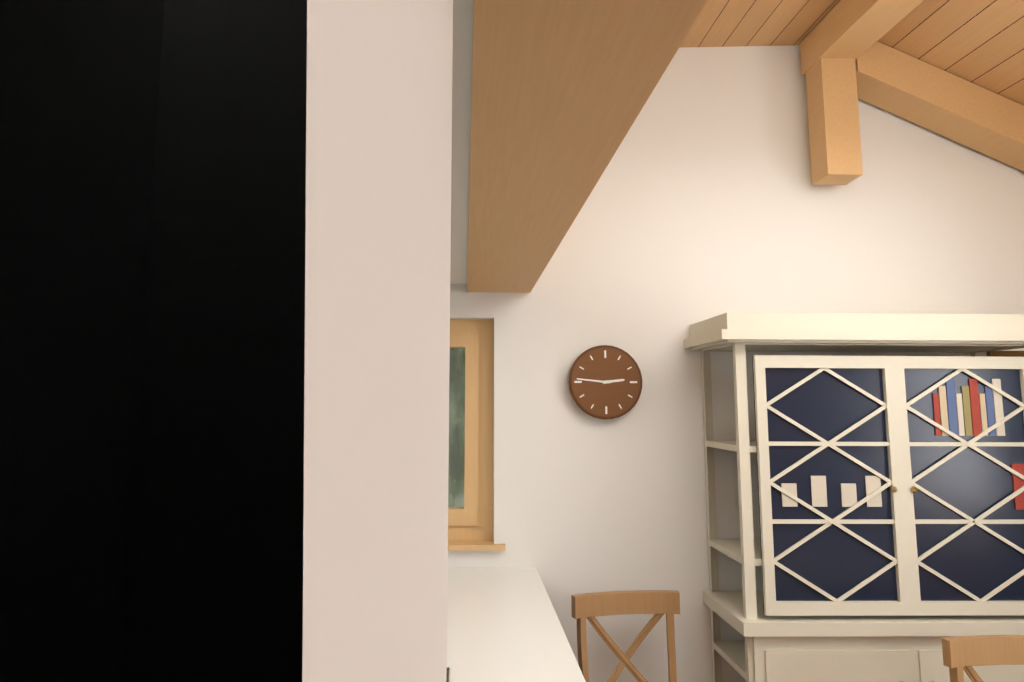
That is h=2 m=46
